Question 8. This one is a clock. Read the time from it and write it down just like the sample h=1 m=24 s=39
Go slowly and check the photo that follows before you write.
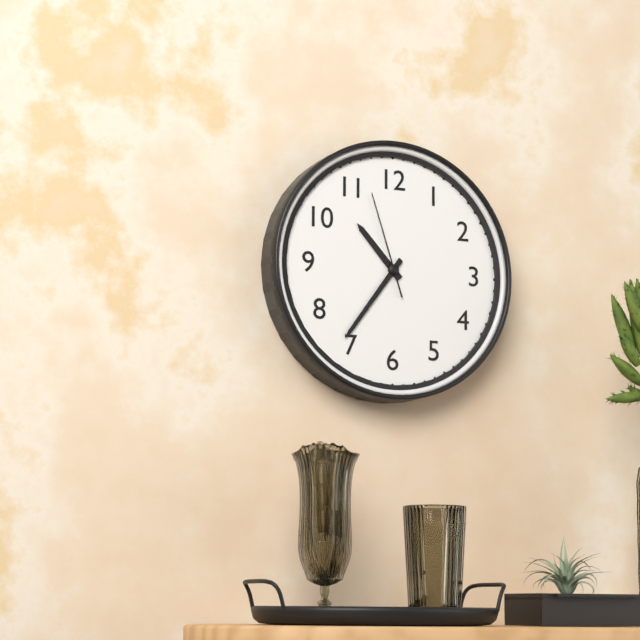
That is h=10 m=36 s=57
